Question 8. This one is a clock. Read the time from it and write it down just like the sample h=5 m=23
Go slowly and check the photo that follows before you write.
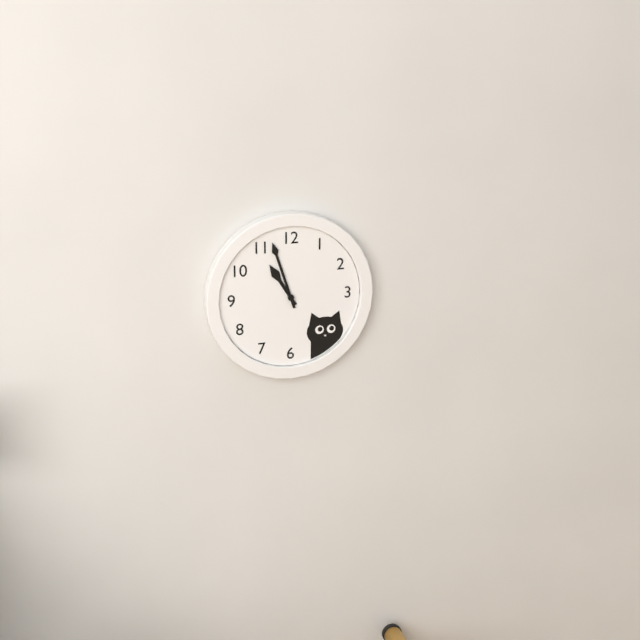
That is h=10 m=57
